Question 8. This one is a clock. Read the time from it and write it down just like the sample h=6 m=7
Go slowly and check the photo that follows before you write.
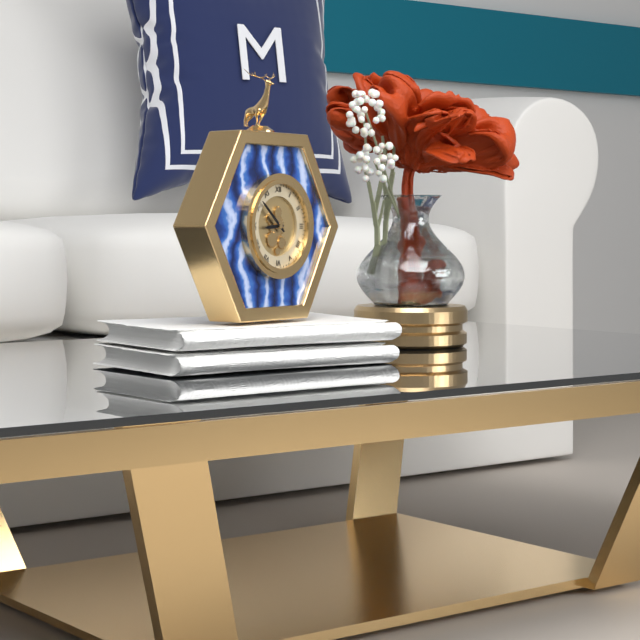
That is h=8 m=52
